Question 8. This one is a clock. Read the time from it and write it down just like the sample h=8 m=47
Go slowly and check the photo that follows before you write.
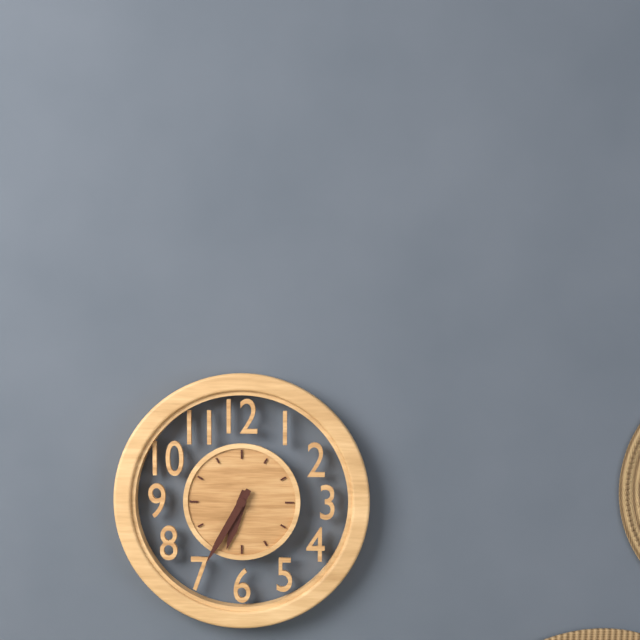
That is h=6 m=35
